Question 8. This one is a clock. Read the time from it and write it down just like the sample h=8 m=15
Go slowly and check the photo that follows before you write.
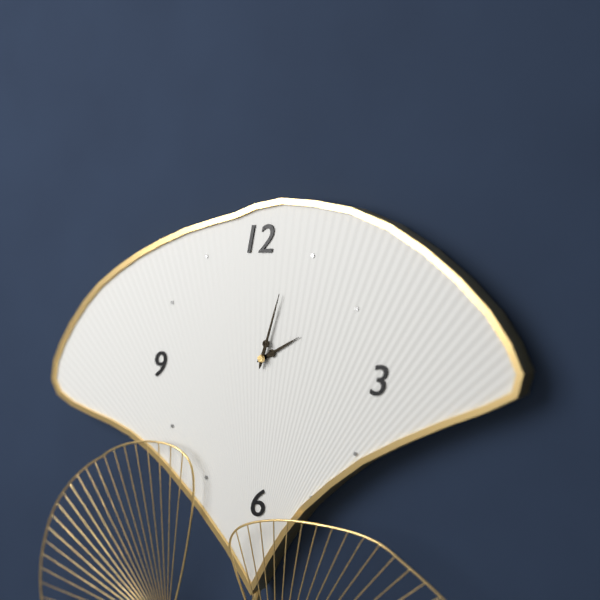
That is h=2 m=3
